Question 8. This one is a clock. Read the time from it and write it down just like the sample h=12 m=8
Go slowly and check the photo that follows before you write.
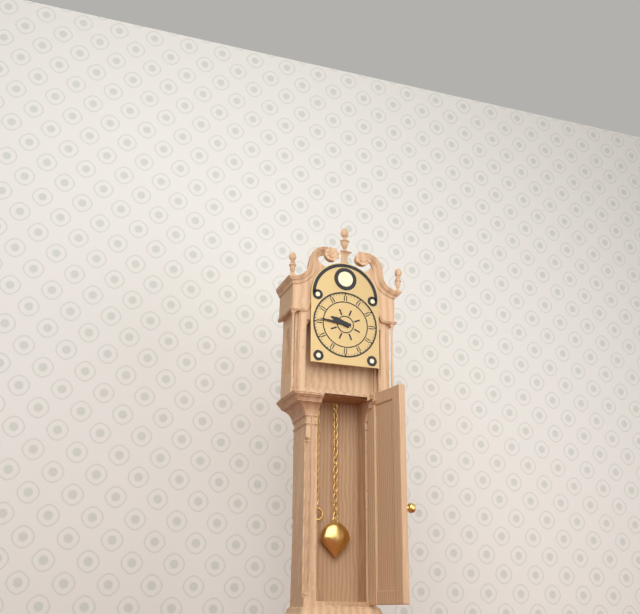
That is h=9 m=46
